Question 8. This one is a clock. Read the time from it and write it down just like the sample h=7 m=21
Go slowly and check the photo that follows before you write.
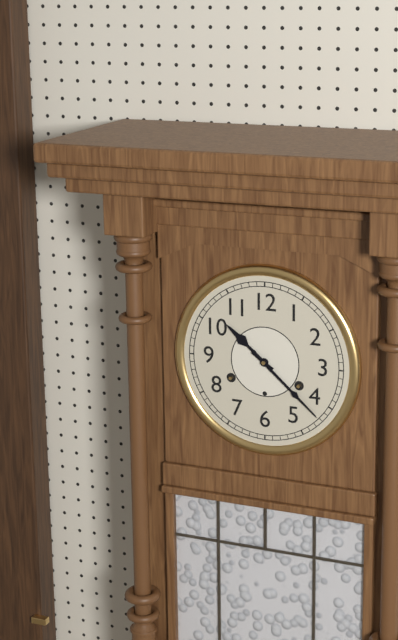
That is h=10 m=22
